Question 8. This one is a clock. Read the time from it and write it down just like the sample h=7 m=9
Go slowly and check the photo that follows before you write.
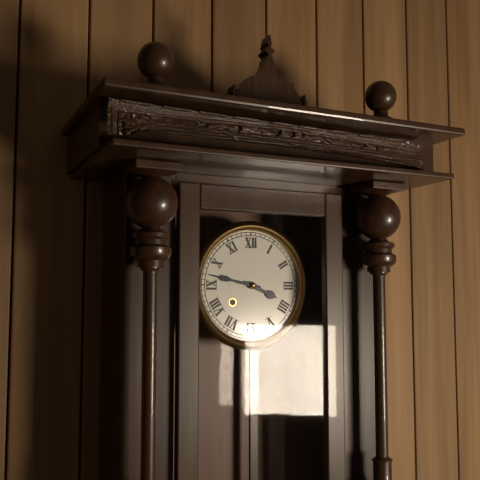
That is h=3 m=47
